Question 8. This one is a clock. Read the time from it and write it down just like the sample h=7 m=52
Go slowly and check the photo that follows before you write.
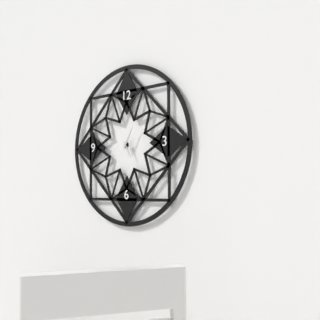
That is h=5 m=5
